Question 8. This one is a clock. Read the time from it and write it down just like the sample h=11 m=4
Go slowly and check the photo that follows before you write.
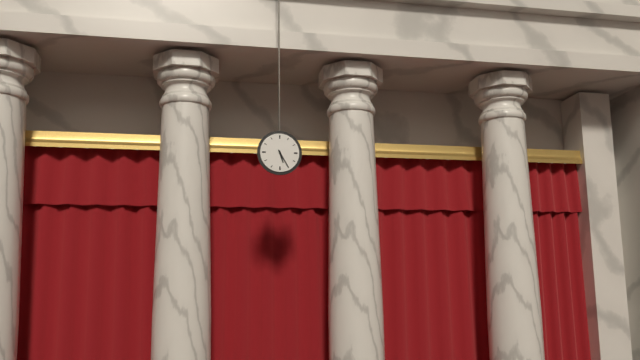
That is h=5 m=25
